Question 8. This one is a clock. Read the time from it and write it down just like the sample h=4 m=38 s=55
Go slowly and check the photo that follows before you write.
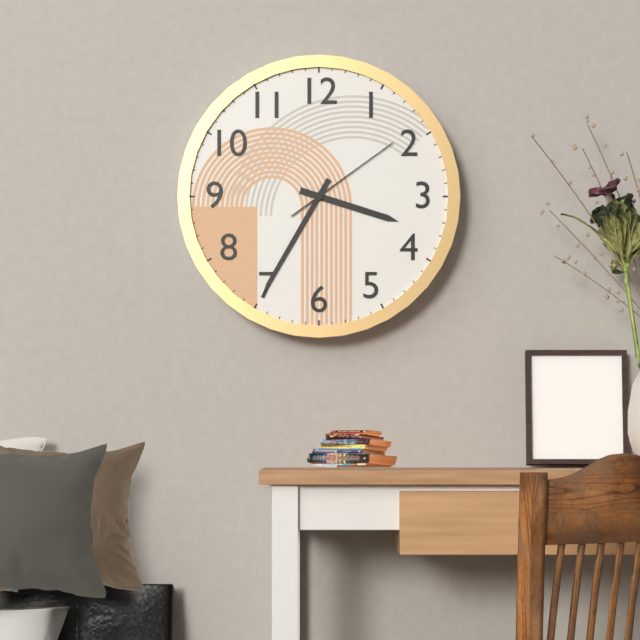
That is h=3 m=35 s=9
